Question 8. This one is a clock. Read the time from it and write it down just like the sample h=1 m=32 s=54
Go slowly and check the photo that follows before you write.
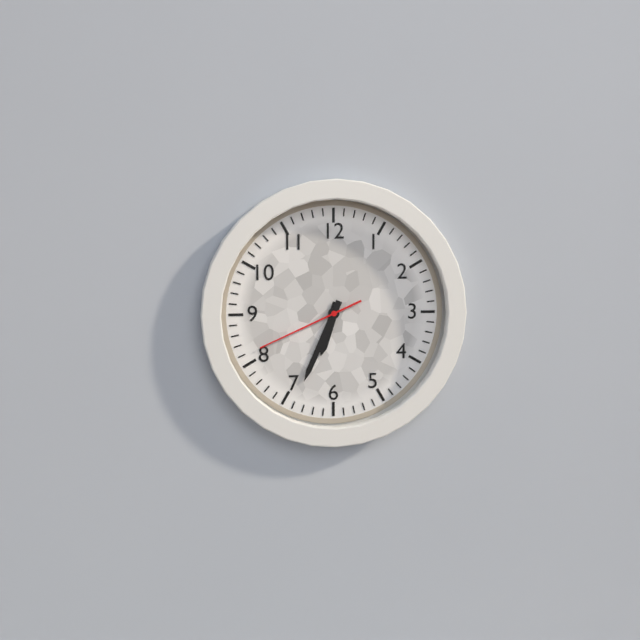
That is h=6 m=34 s=41
